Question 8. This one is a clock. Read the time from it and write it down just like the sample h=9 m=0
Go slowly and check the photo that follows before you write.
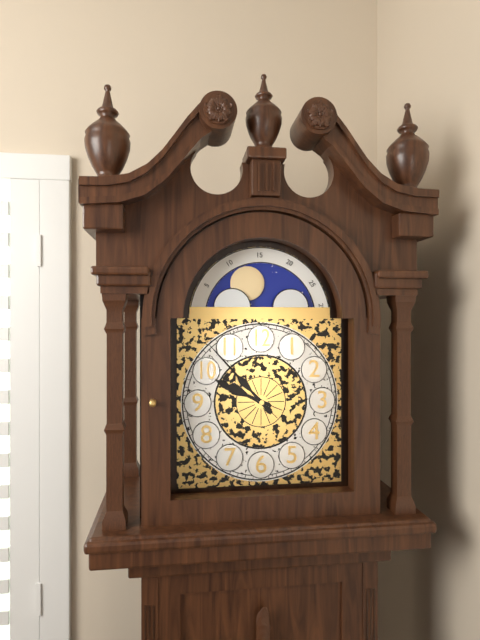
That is h=9 m=53
